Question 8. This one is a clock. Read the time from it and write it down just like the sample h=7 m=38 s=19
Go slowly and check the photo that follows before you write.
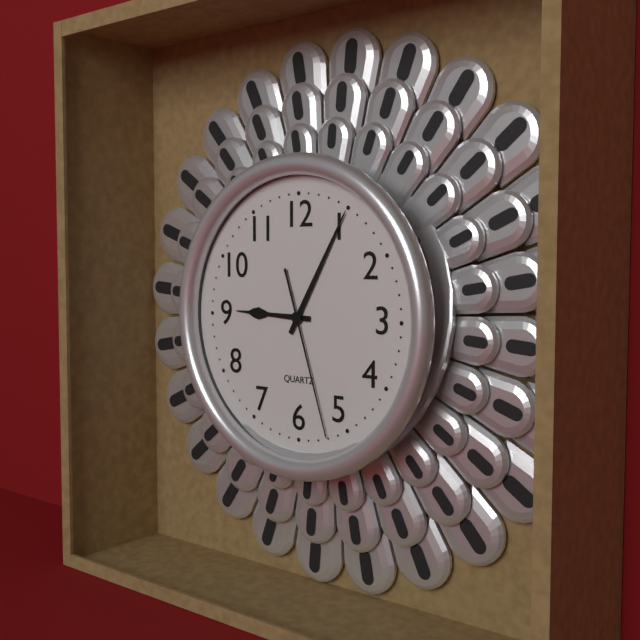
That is h=9 m=5 s=27
